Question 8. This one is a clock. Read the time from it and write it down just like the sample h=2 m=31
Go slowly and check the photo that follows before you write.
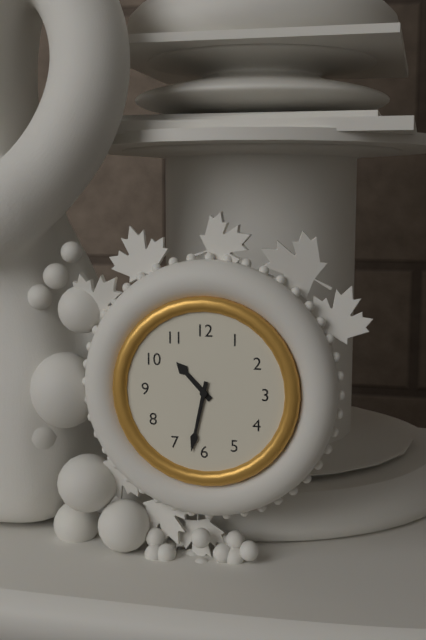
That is h=10 m=32
